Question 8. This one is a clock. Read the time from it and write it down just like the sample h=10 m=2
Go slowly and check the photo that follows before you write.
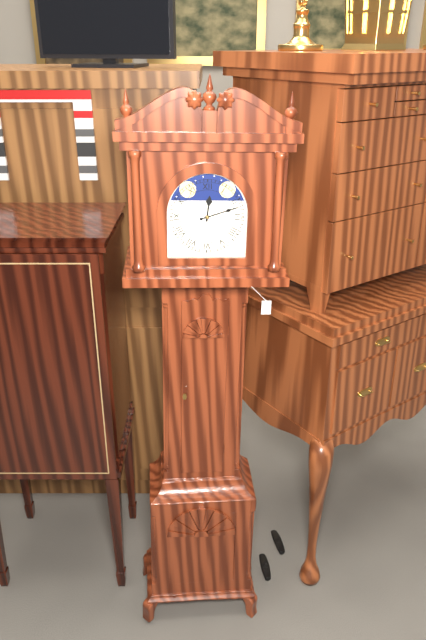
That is h=12 m=12
